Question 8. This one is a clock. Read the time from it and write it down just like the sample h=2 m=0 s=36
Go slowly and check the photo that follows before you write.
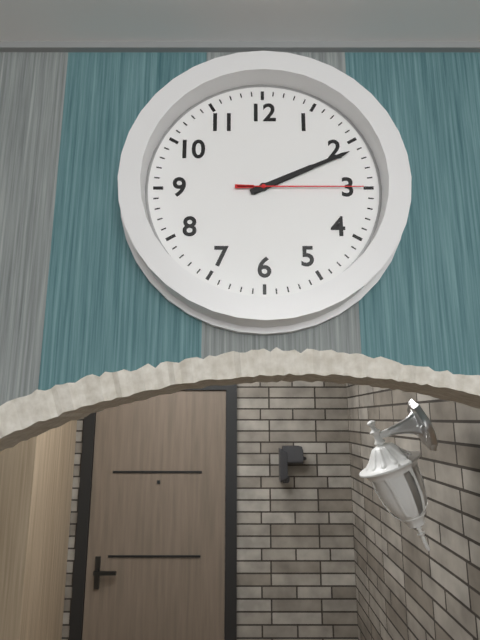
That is h=2 m=11 s=15
